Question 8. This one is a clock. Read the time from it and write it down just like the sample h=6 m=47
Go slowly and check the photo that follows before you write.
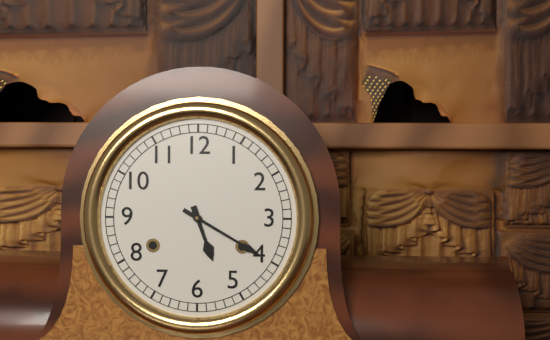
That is h=5 m=20
